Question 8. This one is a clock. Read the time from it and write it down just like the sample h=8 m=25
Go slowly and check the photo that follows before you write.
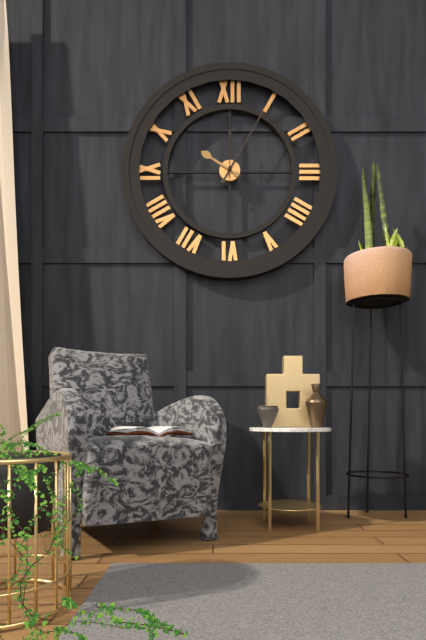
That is h=10 m=5
